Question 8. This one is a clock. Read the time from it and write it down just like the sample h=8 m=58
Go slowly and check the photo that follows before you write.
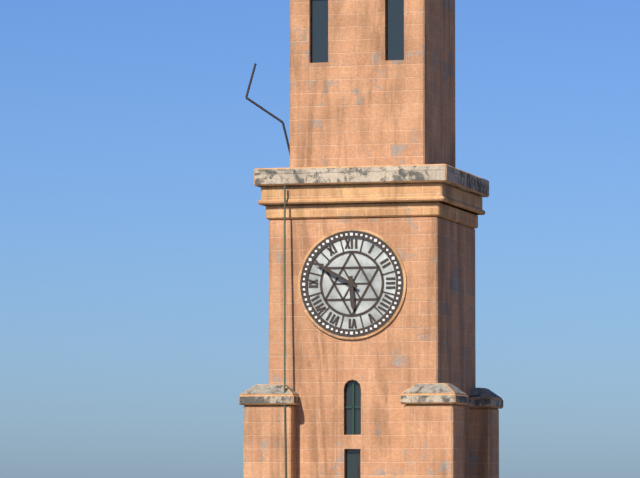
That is h=5 m=50
